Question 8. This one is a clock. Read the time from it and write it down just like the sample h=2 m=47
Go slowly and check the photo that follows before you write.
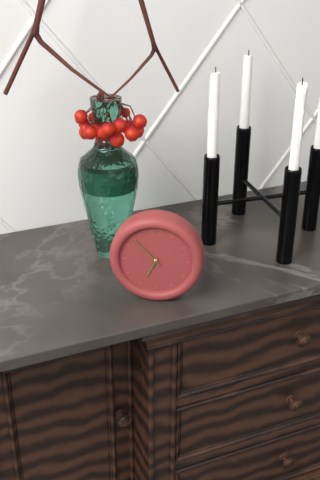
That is h=6 m=53
